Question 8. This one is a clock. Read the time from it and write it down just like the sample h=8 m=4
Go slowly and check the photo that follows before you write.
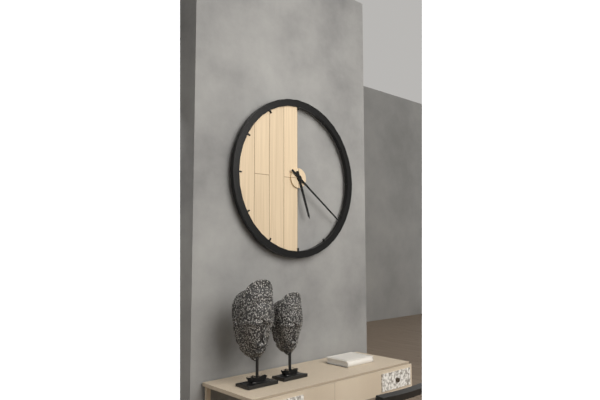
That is h=5 m=21
